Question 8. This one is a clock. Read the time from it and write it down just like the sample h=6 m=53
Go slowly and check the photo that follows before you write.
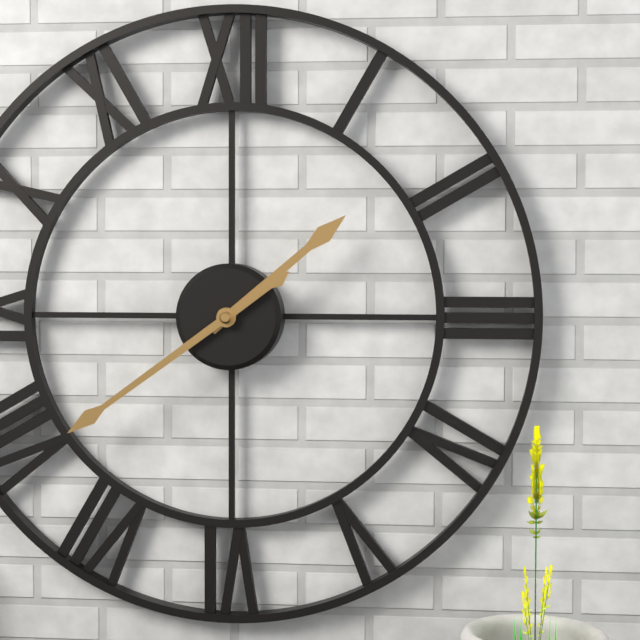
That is h=1 m=39
